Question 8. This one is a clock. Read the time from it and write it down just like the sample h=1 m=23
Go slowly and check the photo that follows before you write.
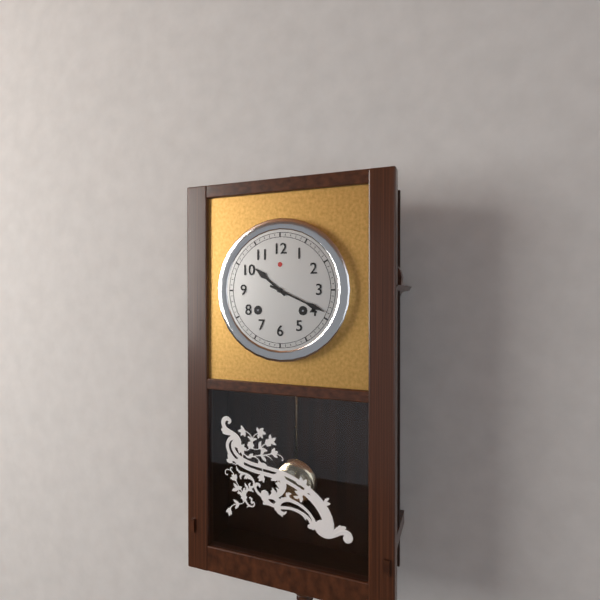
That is h=10 m=19
